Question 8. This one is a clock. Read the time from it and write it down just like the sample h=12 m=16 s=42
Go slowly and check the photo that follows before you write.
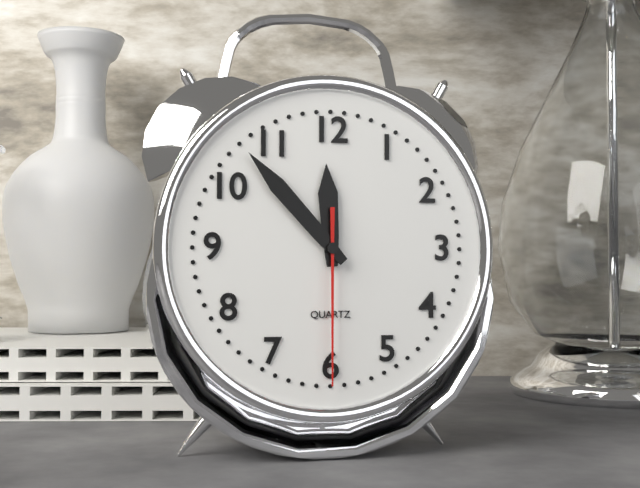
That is h=11 m=53 s=30
